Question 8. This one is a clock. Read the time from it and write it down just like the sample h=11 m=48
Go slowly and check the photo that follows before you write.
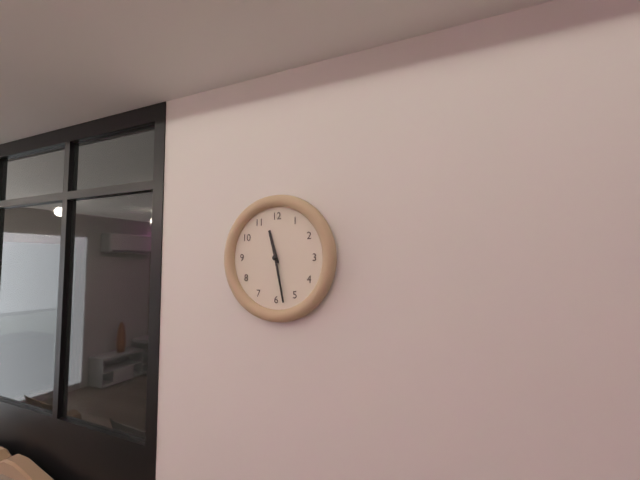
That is h=11 m=28
